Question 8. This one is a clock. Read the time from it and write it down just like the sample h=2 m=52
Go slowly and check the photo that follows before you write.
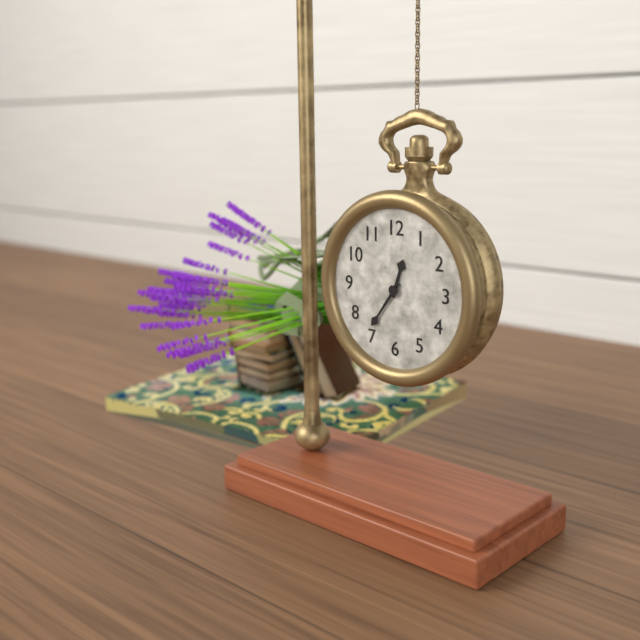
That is h=12 m=36
